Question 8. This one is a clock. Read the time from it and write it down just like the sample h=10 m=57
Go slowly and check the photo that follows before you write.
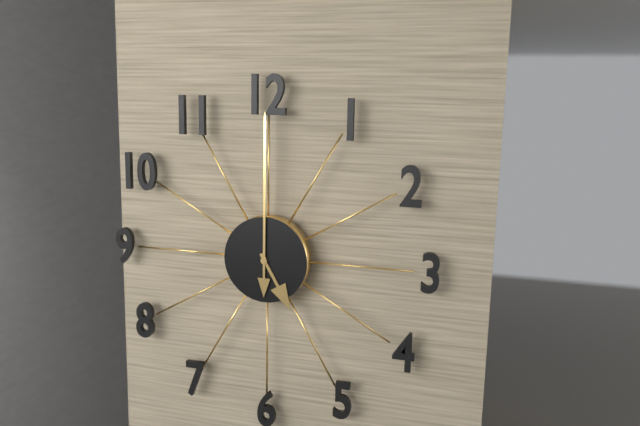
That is h=5 m=0
